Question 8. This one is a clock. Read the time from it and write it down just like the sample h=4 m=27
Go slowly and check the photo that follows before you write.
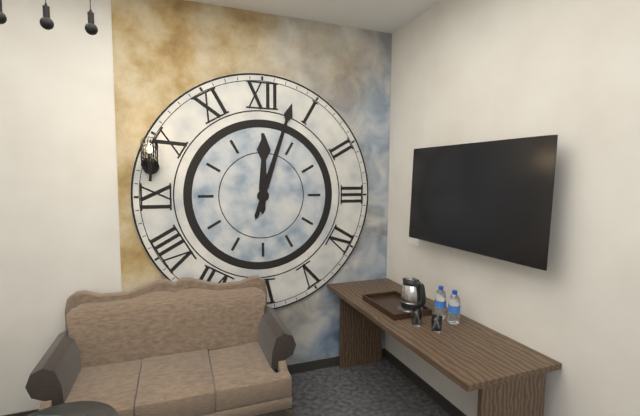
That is h=12 m=3
